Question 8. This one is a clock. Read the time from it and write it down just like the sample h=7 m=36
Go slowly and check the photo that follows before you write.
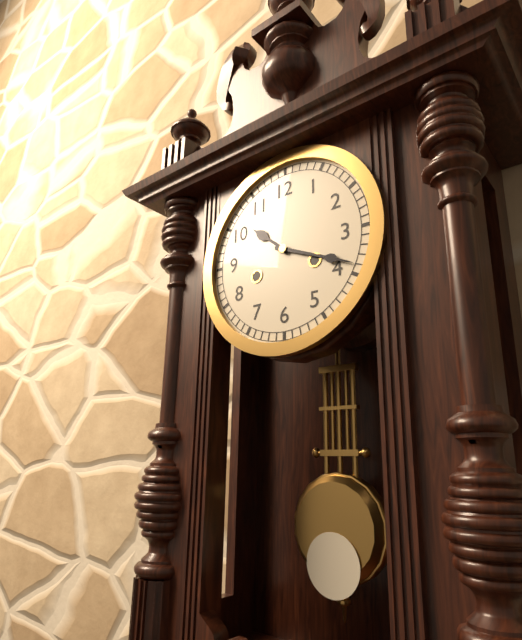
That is h=10 m=19
